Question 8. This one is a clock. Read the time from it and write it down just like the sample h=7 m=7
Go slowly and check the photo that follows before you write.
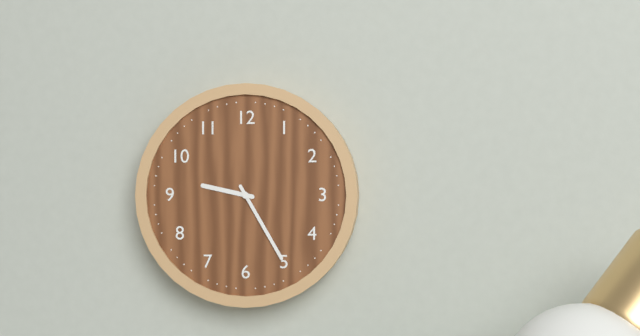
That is h=9 m=25
